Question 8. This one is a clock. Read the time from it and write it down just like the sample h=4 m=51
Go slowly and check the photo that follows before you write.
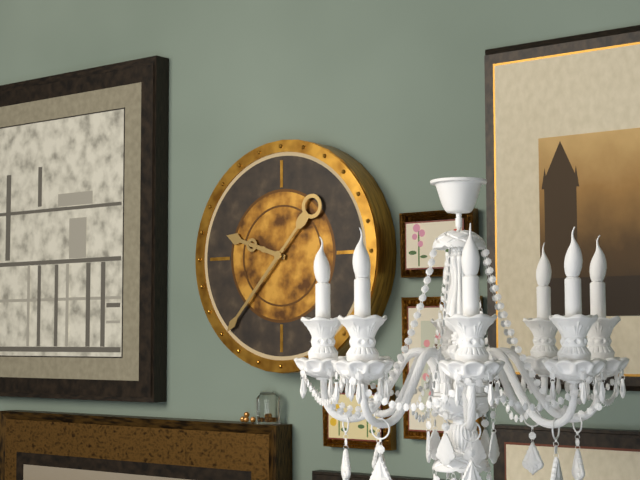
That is h=9 m=37
